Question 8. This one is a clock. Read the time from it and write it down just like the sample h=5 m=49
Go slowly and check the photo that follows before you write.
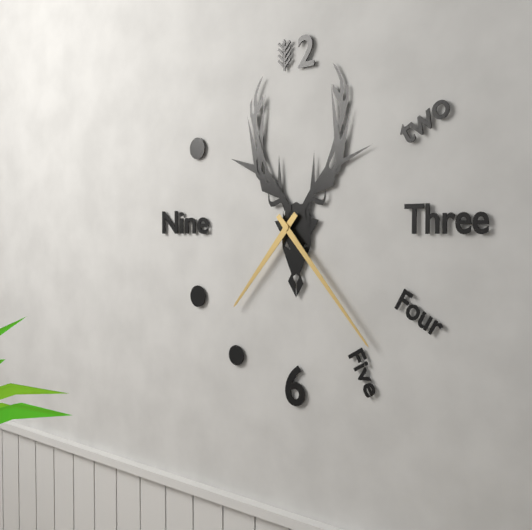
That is h=7 m=23
